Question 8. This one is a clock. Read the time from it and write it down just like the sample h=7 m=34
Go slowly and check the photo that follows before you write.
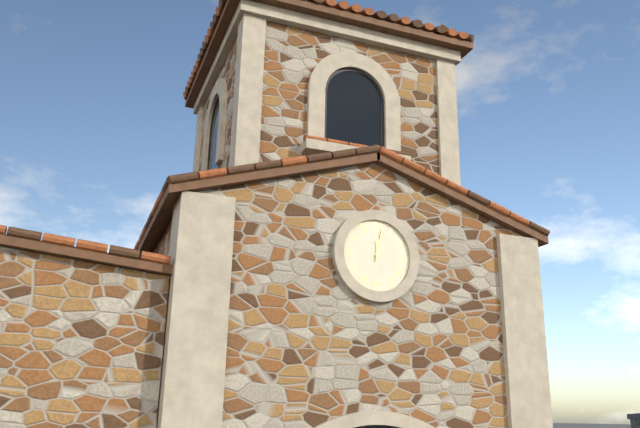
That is h=12 m=2
